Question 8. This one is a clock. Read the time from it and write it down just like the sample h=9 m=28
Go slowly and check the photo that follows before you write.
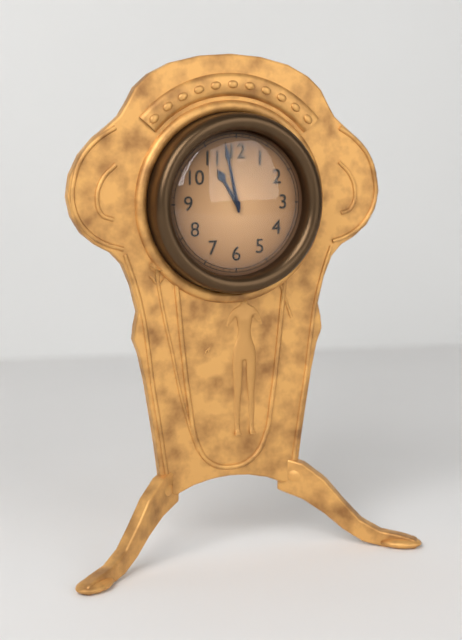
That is h=10 m=58
